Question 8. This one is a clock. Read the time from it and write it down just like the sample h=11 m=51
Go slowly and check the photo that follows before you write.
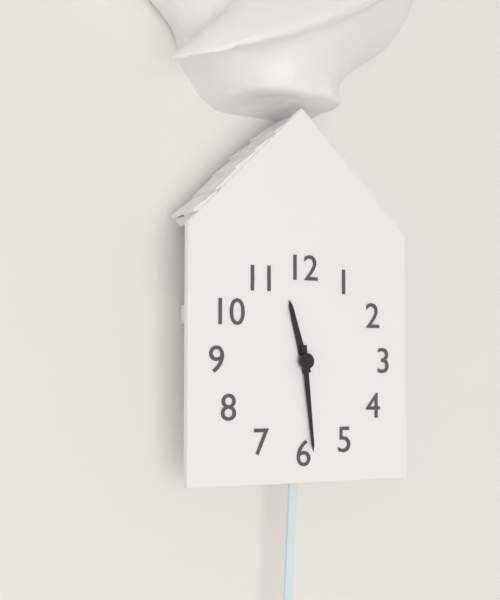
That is h=11 m=29
